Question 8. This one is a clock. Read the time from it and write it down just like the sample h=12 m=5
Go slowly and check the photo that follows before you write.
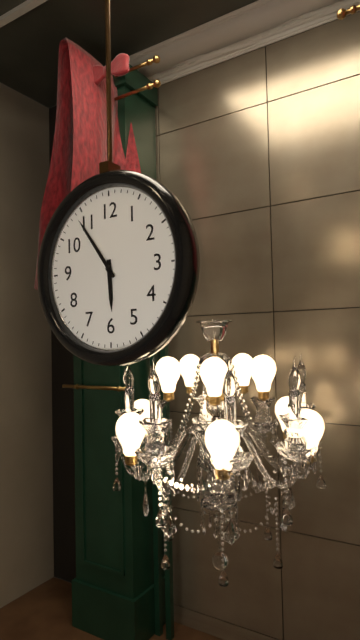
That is h=5 m=54
